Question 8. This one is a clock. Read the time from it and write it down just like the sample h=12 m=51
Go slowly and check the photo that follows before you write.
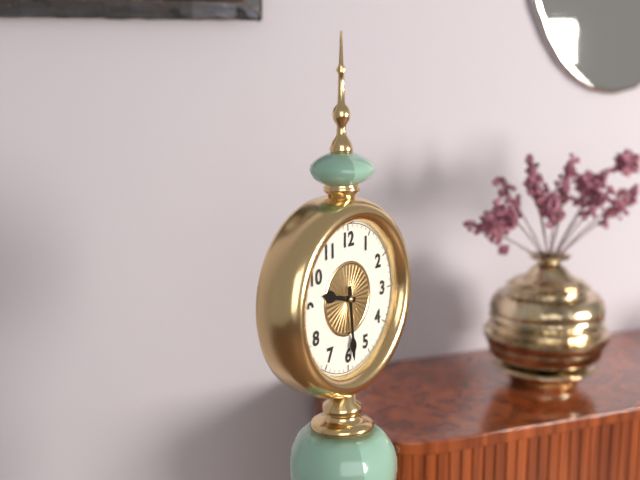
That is h=9 m=29
